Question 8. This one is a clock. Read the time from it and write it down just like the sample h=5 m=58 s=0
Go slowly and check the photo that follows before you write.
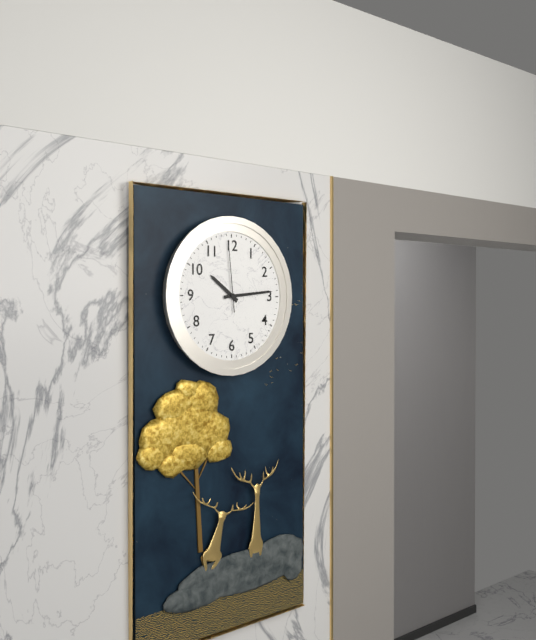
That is h=10 m=14 s=59
